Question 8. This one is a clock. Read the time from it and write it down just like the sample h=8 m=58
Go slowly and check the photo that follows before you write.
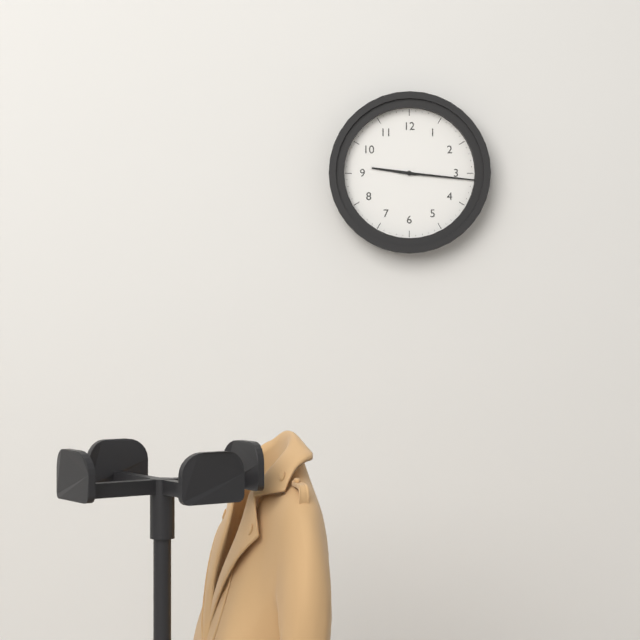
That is h=9 m=16
